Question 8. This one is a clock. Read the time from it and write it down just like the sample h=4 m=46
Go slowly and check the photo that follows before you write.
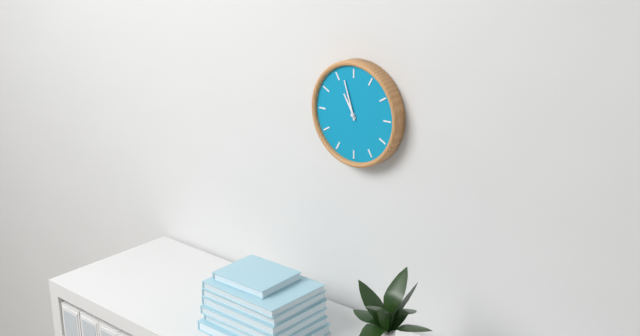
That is h=10 m=57
